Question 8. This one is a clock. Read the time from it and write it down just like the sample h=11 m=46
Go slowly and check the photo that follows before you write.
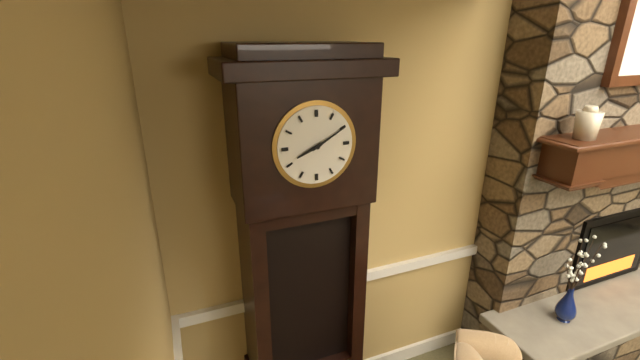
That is h=8 m=10
